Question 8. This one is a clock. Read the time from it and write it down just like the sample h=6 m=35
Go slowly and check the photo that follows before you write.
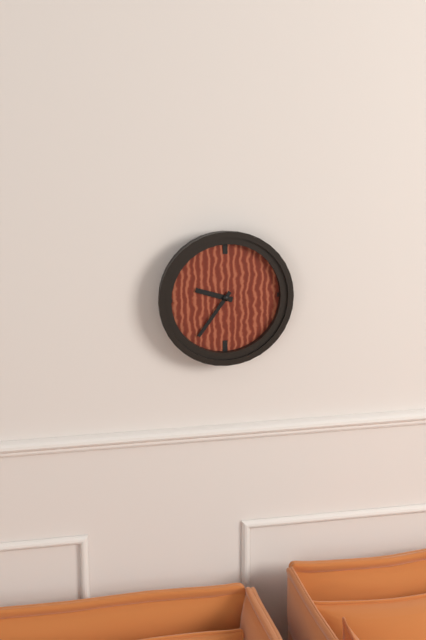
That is h=9 m=36
